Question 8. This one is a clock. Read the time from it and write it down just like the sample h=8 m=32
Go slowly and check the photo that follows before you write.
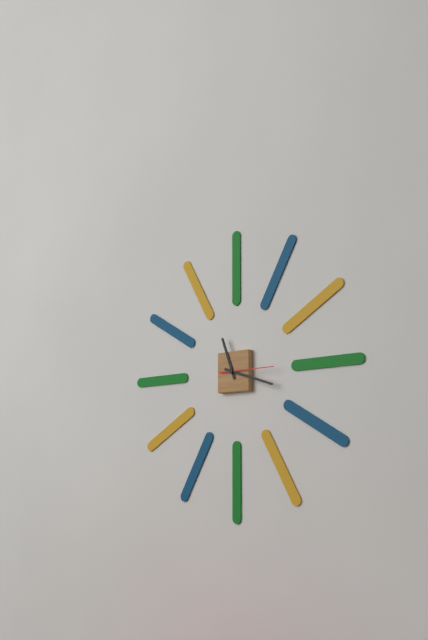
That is h=11 m=18
